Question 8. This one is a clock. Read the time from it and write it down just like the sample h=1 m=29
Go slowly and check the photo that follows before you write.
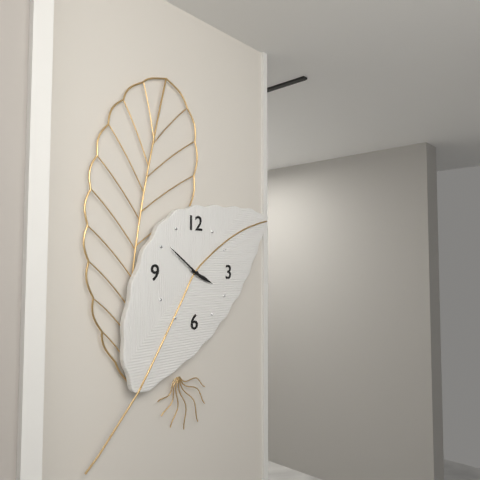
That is h=3 m=51
